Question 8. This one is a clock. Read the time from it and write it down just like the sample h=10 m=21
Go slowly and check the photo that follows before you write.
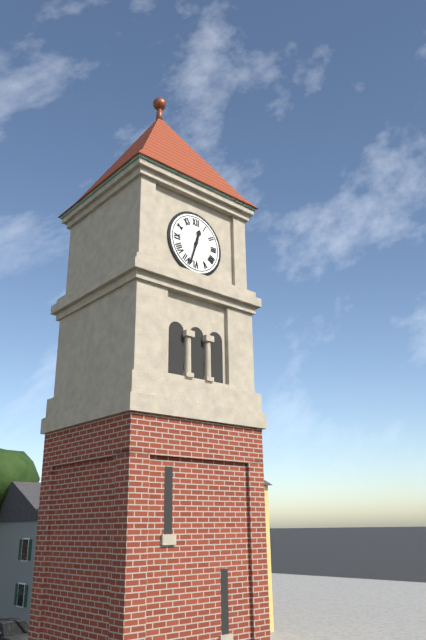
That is h=12 m=33
